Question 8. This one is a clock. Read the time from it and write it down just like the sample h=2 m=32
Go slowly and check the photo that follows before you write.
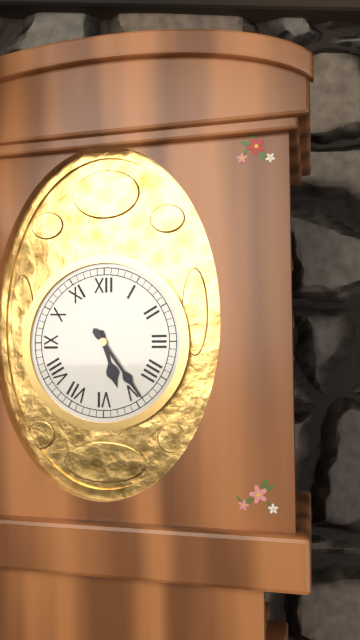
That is h=5 m=24
